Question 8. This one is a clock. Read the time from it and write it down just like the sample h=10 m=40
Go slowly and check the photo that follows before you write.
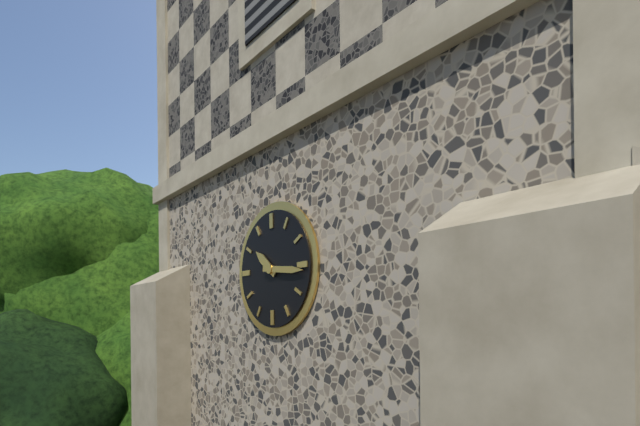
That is h=10 m=16
